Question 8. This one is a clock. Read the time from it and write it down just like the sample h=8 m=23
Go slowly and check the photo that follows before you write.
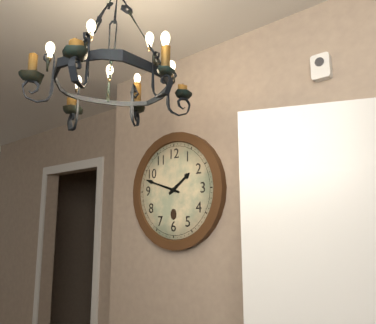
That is h=1 m=48
